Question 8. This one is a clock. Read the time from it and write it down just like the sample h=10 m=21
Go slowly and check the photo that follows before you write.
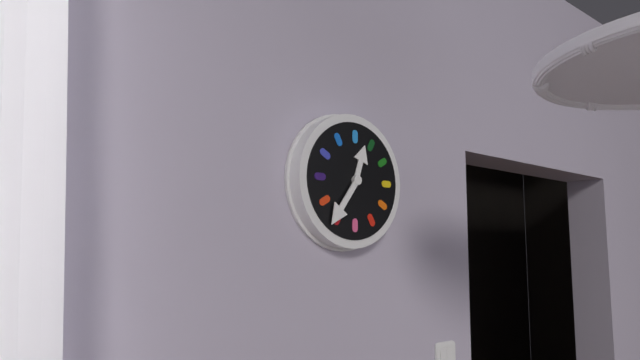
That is h=12 m=36
